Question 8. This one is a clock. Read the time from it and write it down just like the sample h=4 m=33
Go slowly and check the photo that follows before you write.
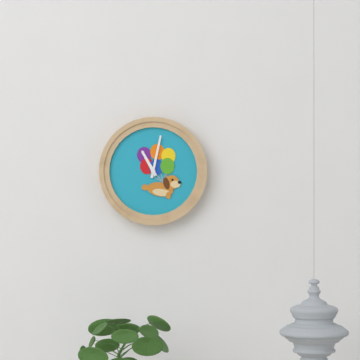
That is h=11 m=2
